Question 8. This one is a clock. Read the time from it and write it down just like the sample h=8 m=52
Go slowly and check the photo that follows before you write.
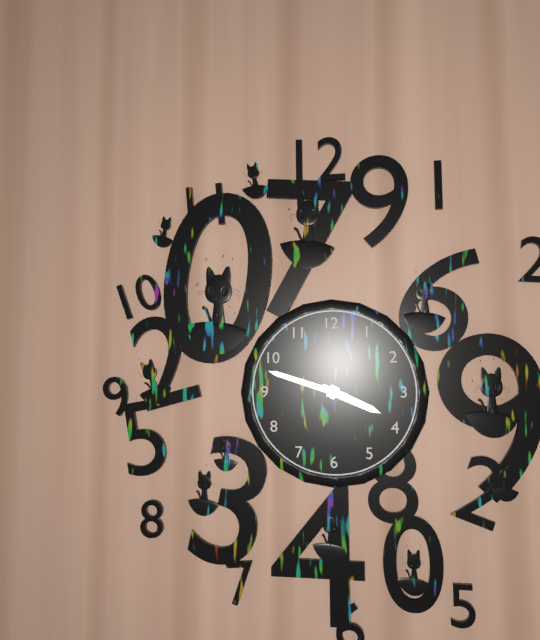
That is h=3 m=48
